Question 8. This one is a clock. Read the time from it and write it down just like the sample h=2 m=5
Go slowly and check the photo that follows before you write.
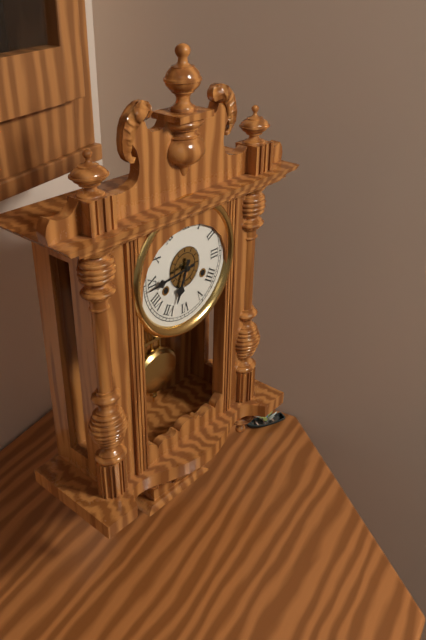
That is h=6 m=44
